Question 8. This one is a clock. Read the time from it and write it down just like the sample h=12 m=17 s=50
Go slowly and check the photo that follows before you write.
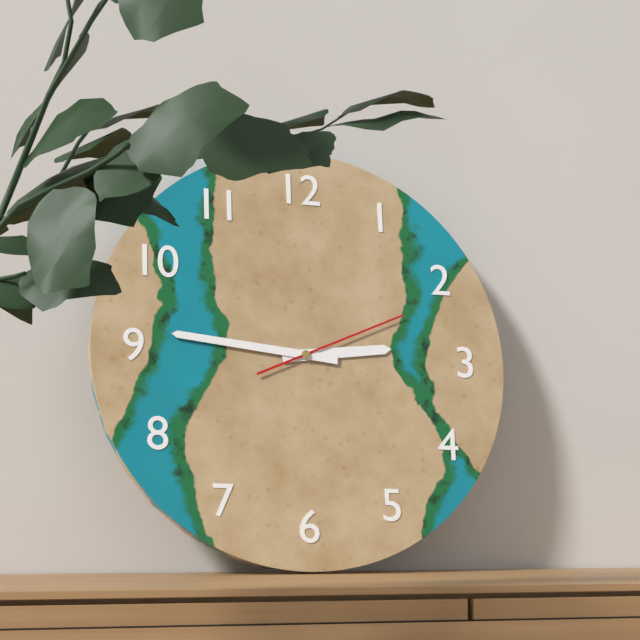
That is h=2 m=46 s=11
